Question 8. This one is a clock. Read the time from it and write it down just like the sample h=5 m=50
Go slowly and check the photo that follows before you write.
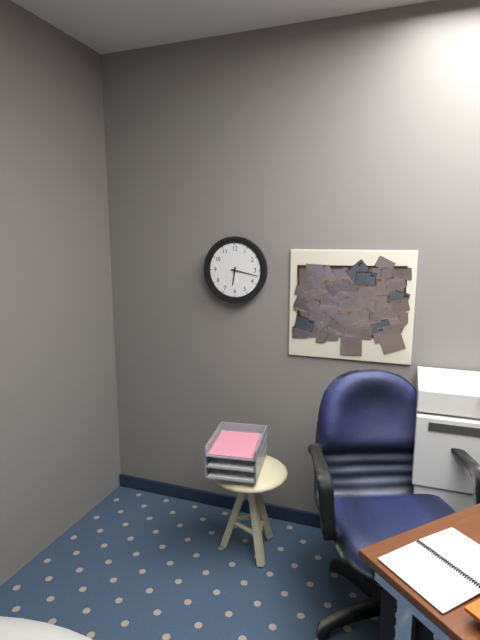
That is h=6 m=17
